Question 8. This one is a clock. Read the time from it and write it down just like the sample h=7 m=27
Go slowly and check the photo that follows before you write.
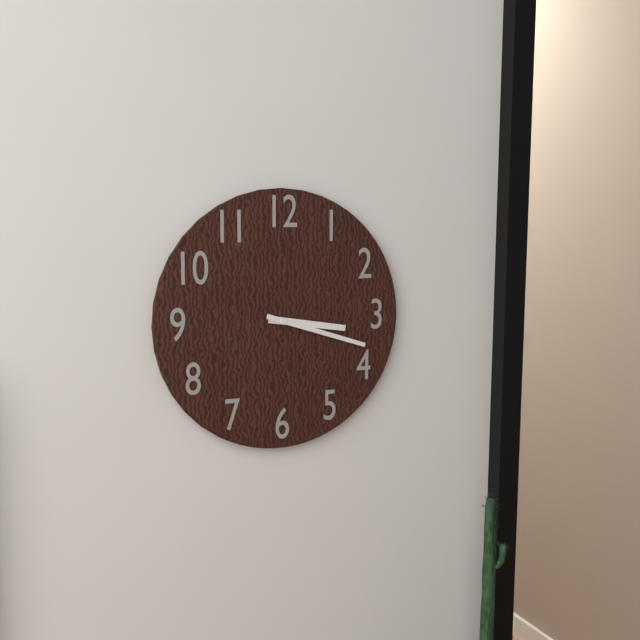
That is h=3 m=18
